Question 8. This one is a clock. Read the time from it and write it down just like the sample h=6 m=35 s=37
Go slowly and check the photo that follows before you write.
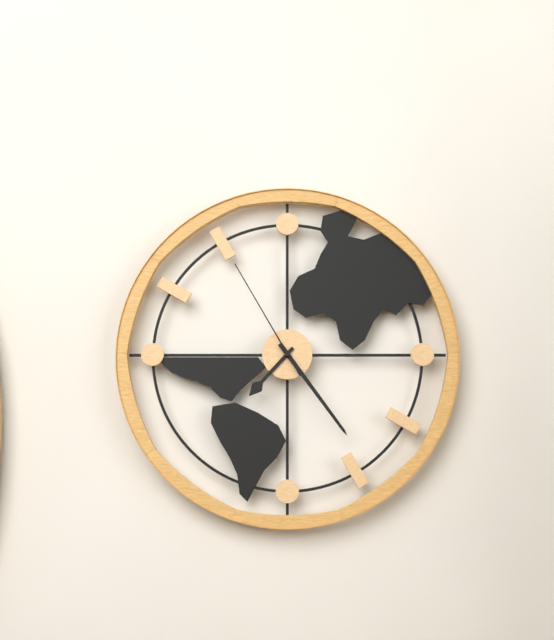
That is h=7 m=24 s=55
